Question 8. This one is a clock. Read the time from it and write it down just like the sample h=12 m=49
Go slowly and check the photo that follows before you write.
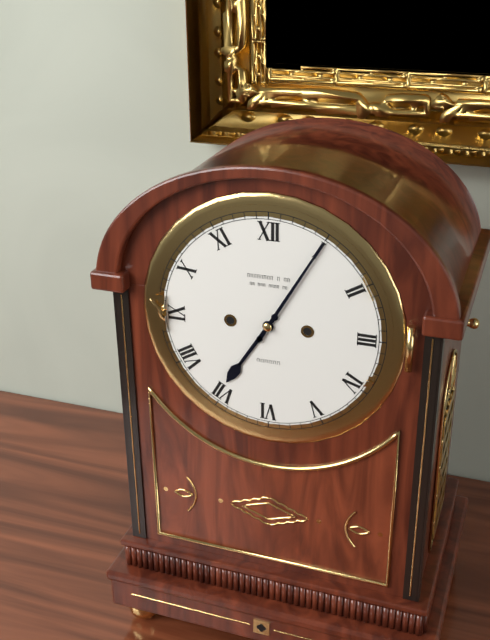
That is h=7 m=5
